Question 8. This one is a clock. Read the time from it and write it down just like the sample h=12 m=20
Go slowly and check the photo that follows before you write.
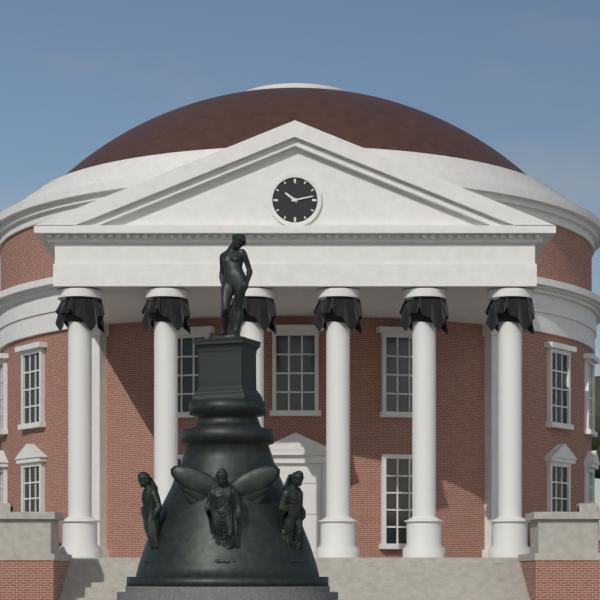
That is h=10 m=13
